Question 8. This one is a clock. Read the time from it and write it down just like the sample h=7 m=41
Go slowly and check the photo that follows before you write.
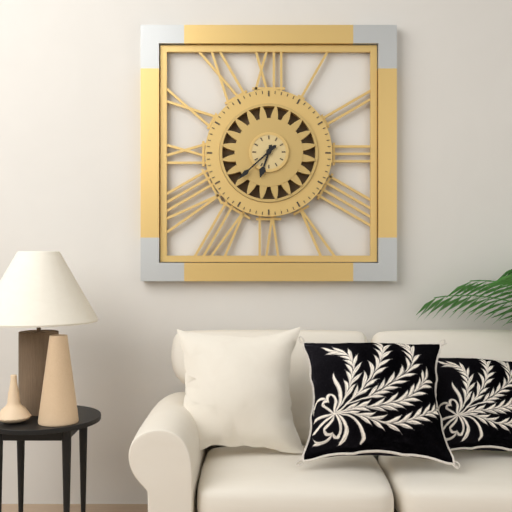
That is h=6 m=38
